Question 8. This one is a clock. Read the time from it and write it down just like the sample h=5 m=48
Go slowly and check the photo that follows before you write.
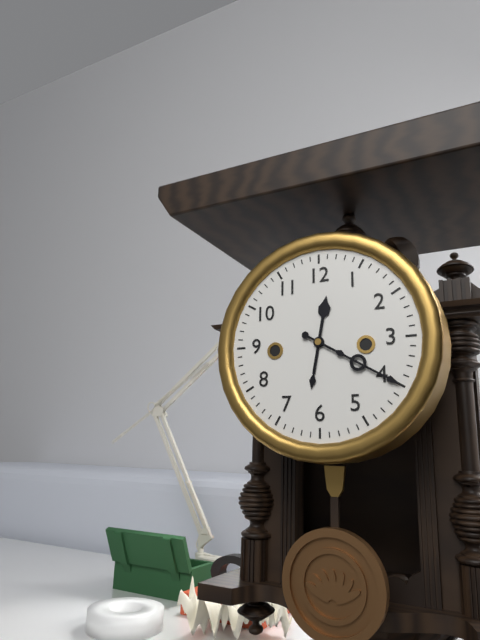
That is h=12 m=20
